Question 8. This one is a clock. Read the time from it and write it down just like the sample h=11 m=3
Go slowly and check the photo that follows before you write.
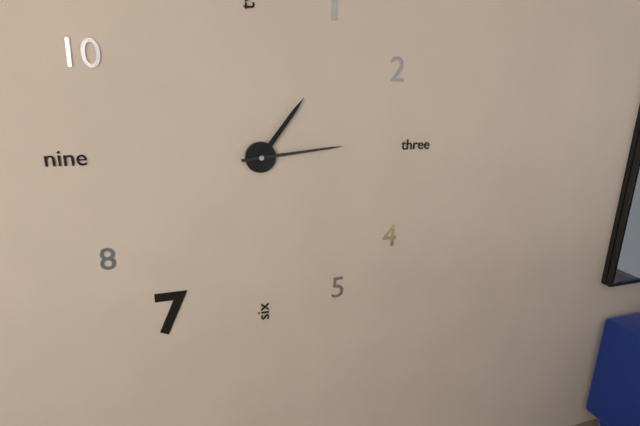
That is h=1 m=14
